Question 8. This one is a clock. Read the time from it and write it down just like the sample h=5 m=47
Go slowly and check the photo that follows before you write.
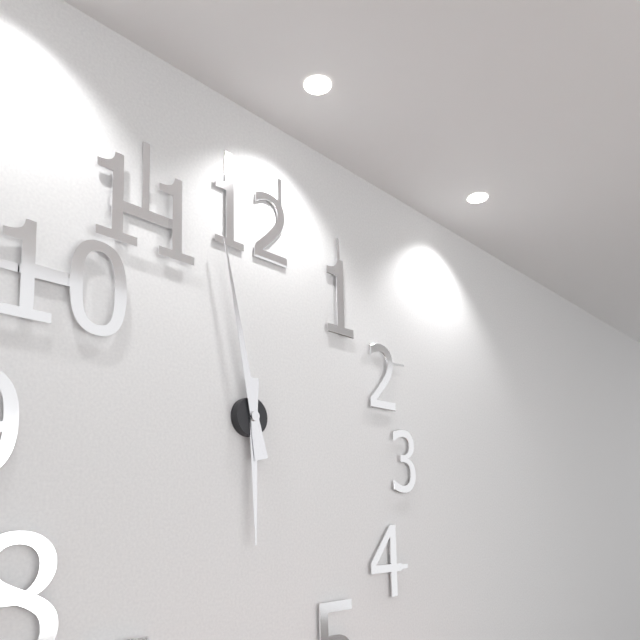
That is h=5 m=58
